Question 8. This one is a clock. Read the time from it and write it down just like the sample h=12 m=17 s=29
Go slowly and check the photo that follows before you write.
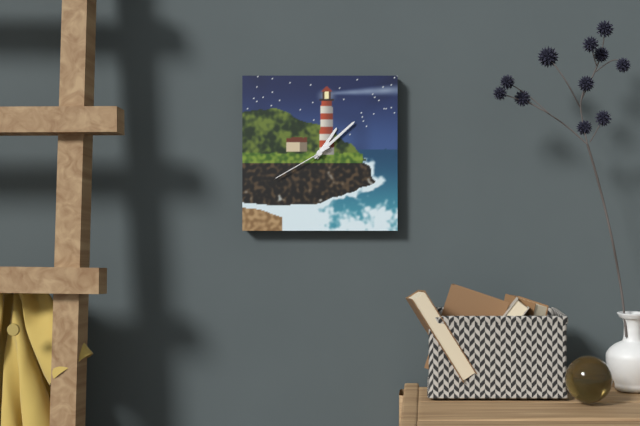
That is h=1 m=8 s=40
